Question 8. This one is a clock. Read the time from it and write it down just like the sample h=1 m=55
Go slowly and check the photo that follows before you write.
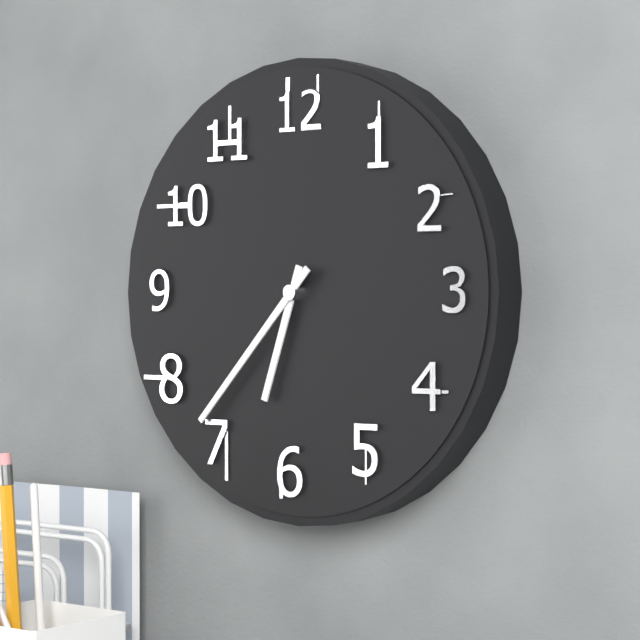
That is h=6 m=37
